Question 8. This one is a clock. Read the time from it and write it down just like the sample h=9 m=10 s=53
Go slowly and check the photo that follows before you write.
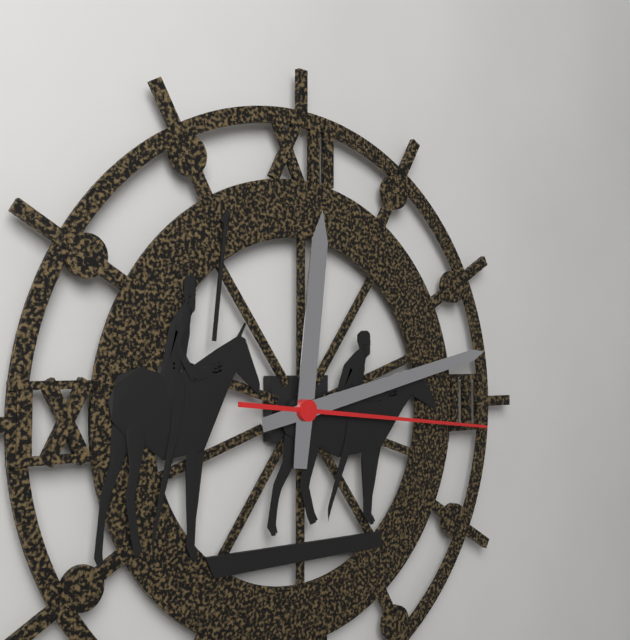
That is h=12 m=13 s=16
